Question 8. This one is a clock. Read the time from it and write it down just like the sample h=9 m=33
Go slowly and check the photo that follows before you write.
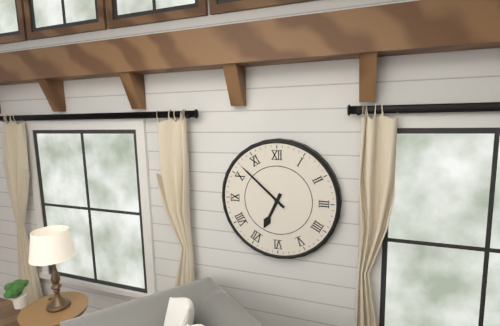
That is h=6 m=52
